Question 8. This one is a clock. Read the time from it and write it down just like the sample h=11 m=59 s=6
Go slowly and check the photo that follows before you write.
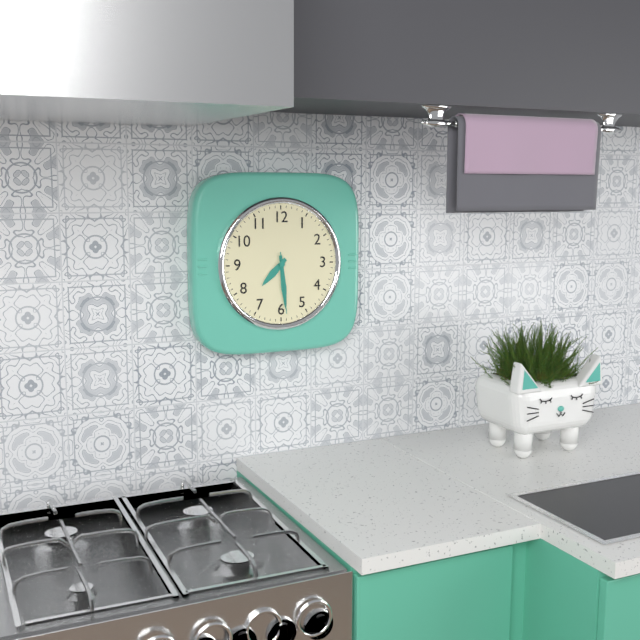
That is h=7 m=29 s=29
